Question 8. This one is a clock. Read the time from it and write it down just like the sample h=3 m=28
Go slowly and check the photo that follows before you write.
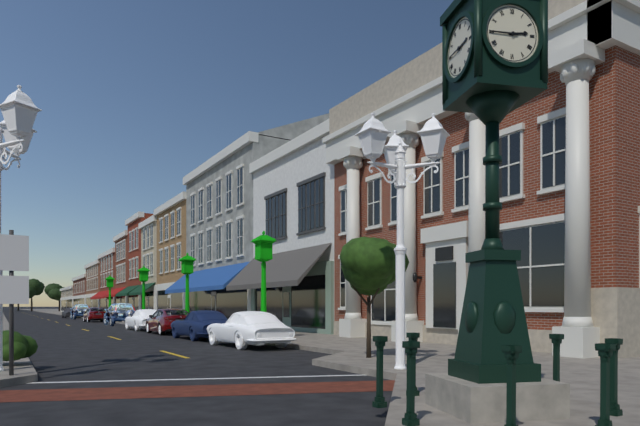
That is h=2 m=45
